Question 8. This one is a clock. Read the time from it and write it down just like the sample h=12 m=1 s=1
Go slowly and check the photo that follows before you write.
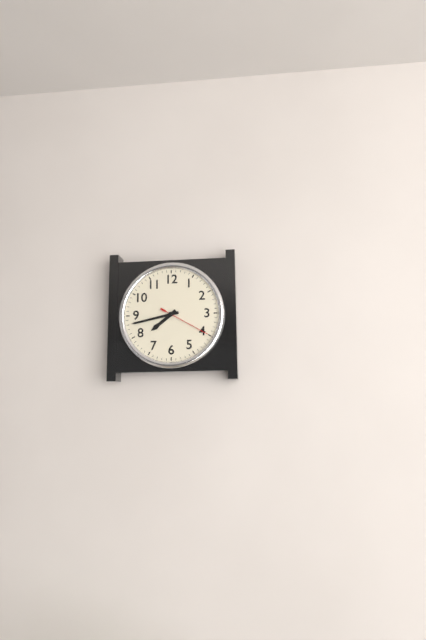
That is h=7 m=43 s=20
